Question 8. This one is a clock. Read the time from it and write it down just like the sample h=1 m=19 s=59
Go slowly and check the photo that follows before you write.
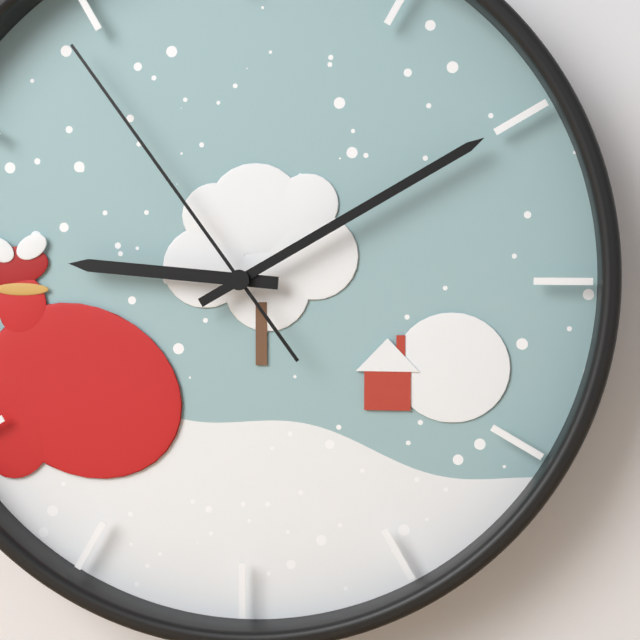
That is h=9 m=10 s=54
